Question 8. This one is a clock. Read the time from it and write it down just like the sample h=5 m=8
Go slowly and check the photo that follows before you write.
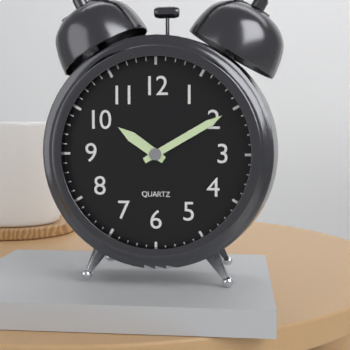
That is h=10 m=10
